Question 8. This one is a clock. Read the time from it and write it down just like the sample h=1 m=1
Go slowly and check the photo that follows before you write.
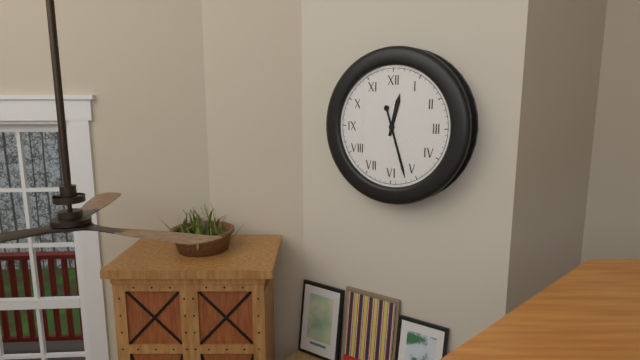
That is h=12 m=27
